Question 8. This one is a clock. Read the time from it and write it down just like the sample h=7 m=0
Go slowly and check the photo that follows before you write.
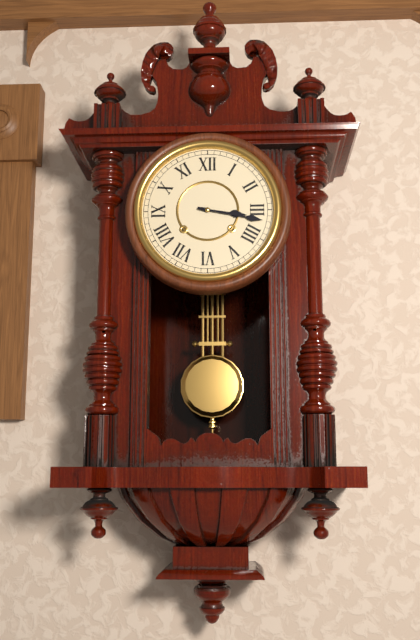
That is h=3 m=17
